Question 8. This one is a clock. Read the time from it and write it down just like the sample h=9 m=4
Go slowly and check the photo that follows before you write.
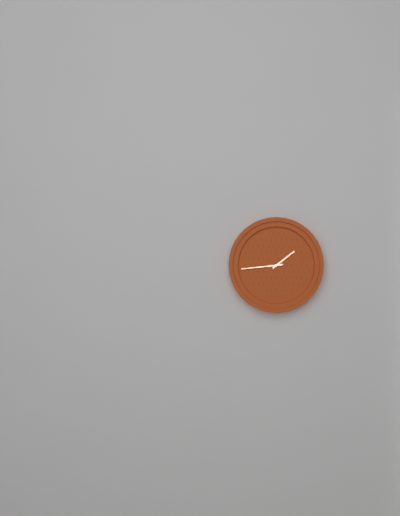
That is h=1 m=44
